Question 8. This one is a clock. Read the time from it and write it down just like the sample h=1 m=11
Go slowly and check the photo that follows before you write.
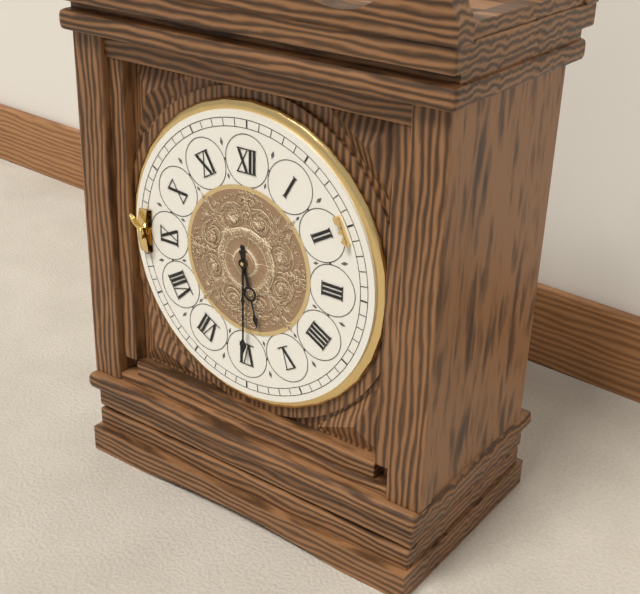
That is h=5 m=30
